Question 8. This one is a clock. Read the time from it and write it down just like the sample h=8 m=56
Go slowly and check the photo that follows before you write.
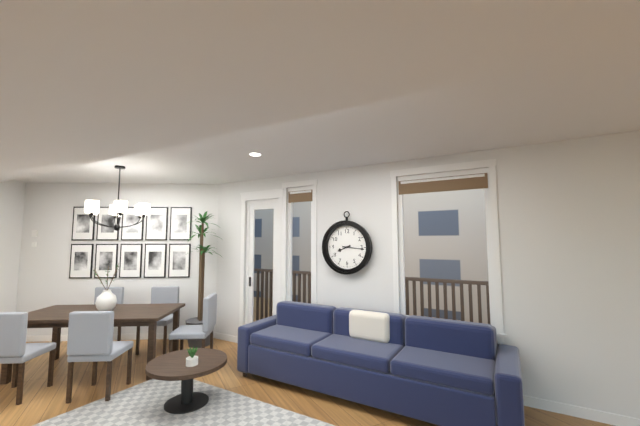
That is h=8 m=16
